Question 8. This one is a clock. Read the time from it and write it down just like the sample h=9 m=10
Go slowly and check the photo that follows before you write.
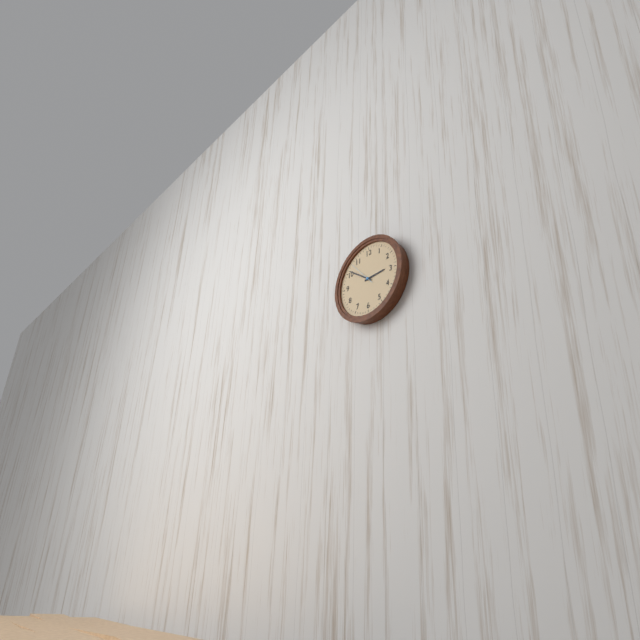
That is h=2 m=51
